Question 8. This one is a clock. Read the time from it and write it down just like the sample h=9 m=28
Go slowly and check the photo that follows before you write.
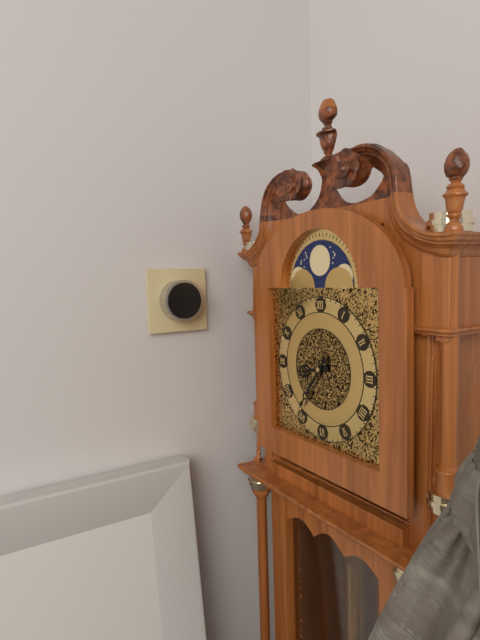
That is h=8 m=36
